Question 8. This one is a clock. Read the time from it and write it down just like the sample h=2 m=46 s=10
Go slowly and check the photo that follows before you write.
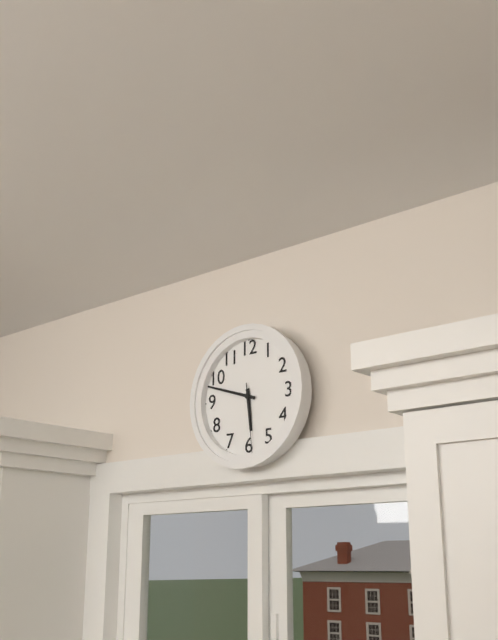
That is h=5 m=48 s=29
